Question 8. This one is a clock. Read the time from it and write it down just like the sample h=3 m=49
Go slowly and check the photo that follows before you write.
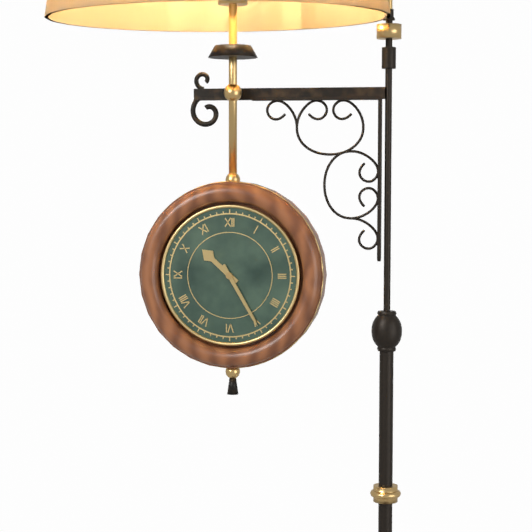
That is h=10 m=25
